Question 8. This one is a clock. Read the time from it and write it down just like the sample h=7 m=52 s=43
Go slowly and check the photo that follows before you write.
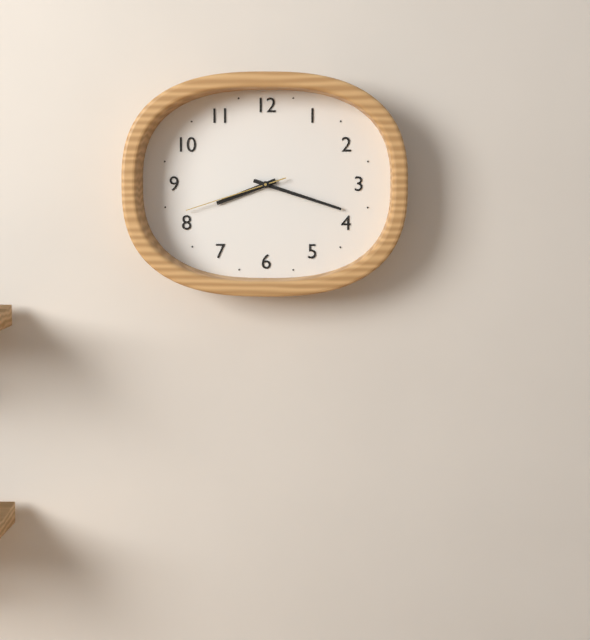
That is h=8 m=18 s=42
